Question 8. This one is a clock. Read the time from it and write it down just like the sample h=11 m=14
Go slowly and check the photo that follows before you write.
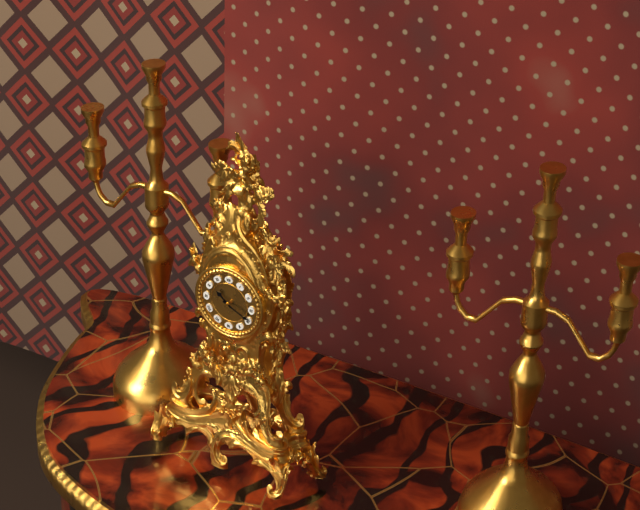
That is h=10 m=19
